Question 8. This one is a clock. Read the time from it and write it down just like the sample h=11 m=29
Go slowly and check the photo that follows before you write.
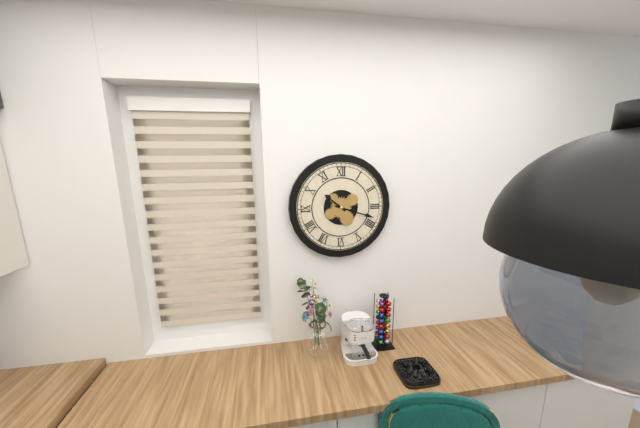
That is h=10 m=18
